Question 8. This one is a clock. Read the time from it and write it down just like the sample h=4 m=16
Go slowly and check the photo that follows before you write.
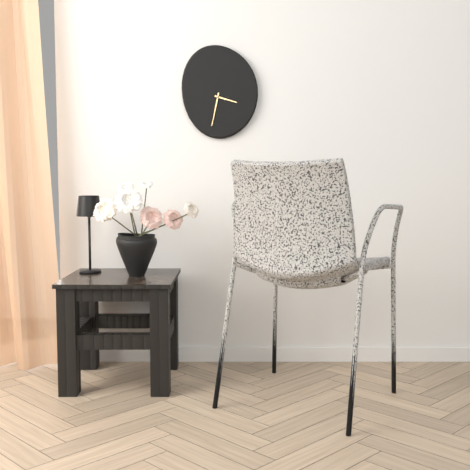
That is h=3 m=32
